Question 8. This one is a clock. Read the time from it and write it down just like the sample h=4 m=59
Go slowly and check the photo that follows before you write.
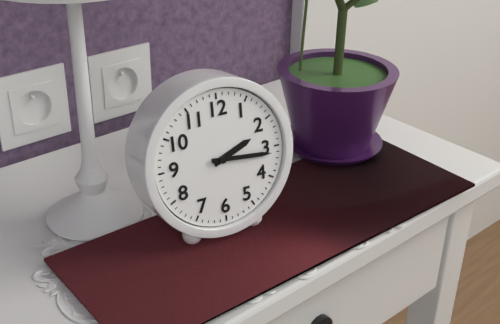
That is h=2 m=16
